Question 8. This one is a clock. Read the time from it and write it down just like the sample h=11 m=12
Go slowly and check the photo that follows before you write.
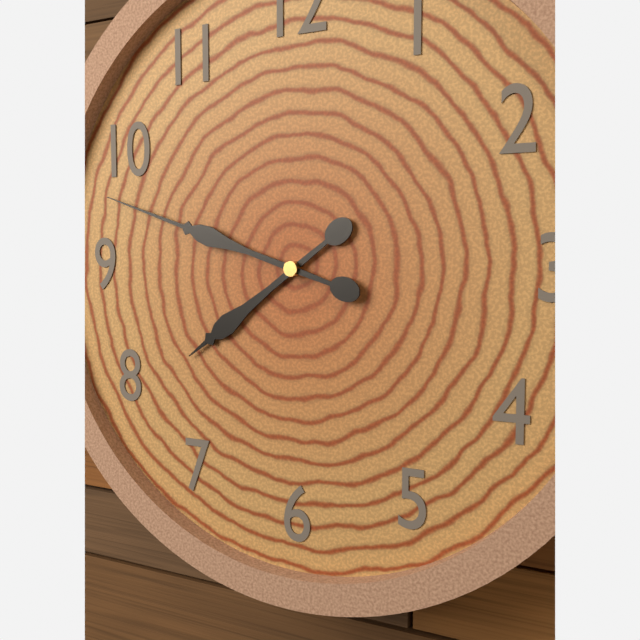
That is h=7 m=48
